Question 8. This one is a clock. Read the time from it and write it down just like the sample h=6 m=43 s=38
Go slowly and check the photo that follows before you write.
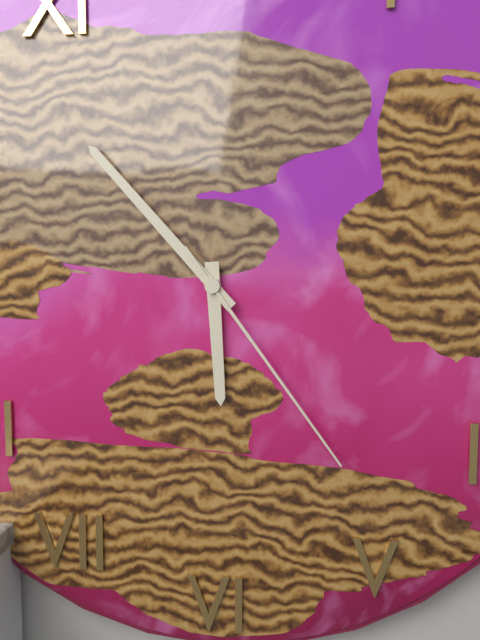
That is h=5 m=53 s=24
